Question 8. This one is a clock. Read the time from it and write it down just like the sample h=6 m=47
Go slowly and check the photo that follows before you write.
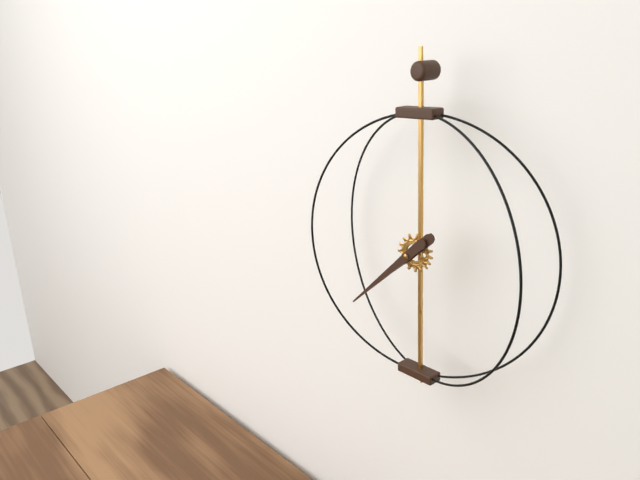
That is h=7 m=38
